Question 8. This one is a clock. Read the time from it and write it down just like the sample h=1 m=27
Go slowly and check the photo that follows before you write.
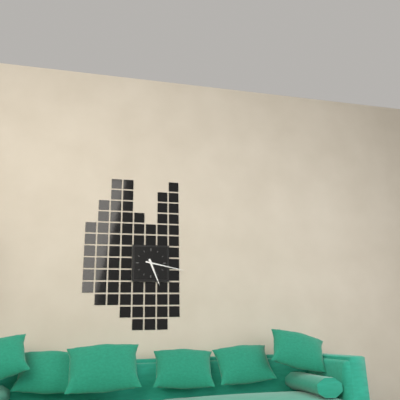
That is h=5 m=17
